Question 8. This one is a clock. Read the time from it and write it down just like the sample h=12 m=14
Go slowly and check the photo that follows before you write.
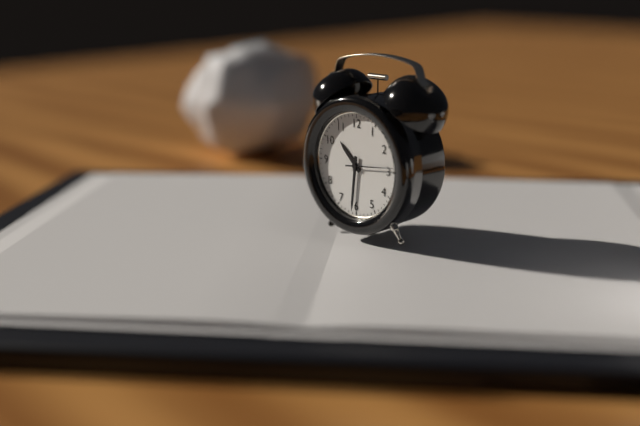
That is h=10 m=31
